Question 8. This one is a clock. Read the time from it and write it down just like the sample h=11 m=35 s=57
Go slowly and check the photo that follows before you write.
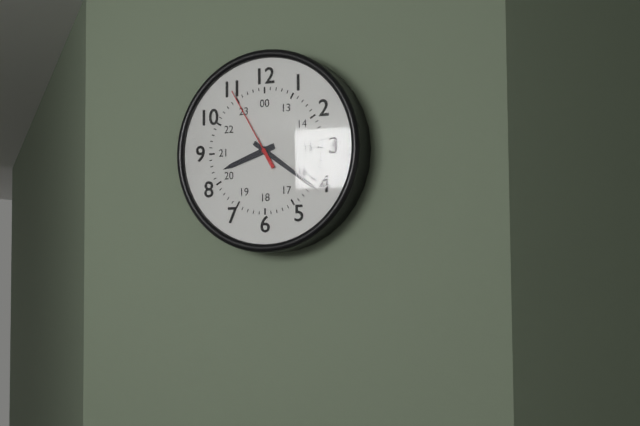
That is h=8 m=21 s=55
